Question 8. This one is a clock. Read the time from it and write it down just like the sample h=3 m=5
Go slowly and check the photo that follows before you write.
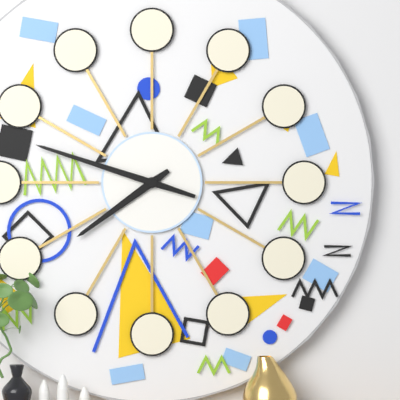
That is h=7 m=48
